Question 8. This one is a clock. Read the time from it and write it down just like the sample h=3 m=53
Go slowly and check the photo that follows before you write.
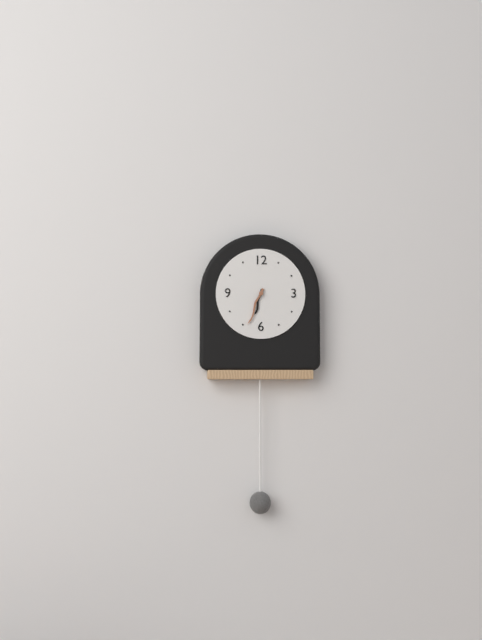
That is h=6 m=34
